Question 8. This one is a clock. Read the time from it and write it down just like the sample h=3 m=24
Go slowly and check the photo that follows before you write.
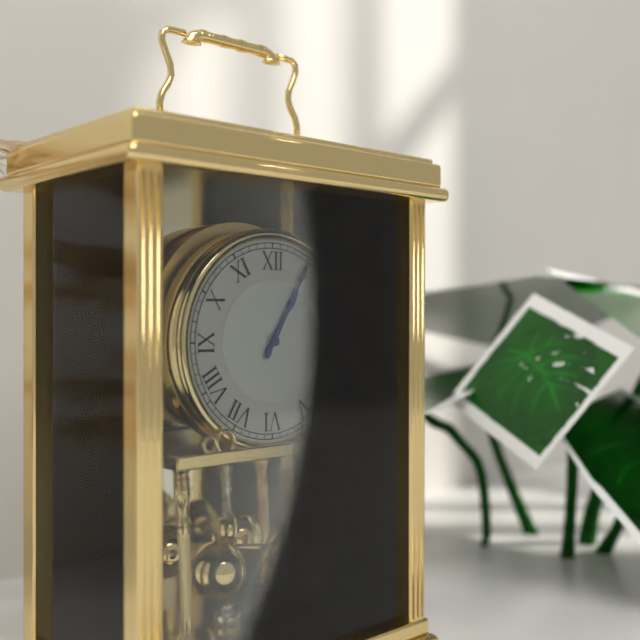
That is h=1 m=5
